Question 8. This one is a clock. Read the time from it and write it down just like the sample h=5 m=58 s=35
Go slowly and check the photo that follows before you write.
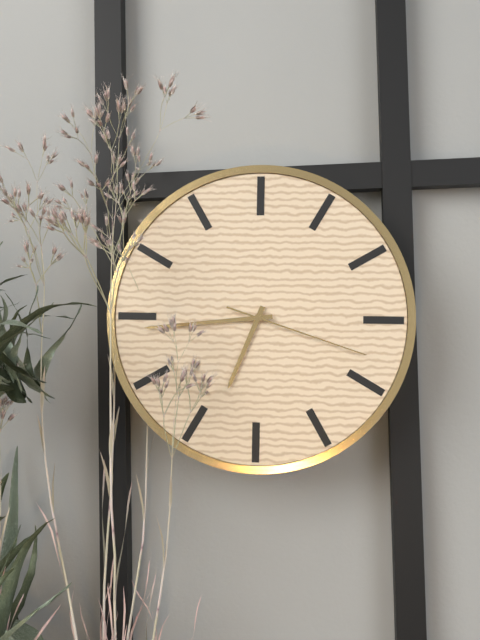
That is h=6 m=44 s=18
